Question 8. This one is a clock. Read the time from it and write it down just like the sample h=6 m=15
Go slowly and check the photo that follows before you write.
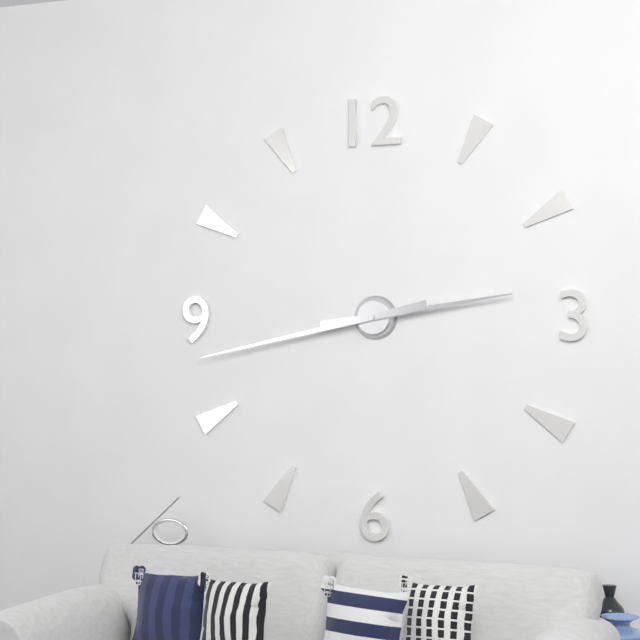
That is h=2 m=43
